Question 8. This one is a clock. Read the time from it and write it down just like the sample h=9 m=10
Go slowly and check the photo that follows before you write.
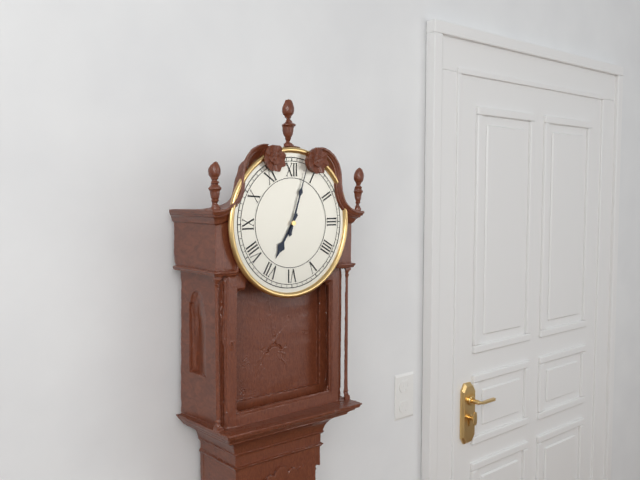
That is h=7 m=3
